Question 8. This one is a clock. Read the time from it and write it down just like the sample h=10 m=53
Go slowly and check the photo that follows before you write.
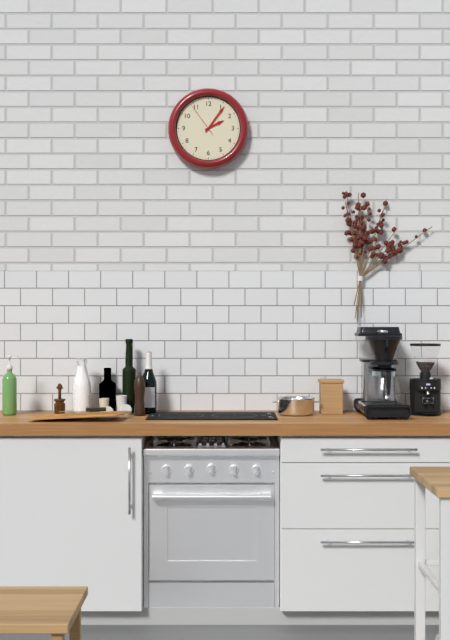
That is h=2 m=6
